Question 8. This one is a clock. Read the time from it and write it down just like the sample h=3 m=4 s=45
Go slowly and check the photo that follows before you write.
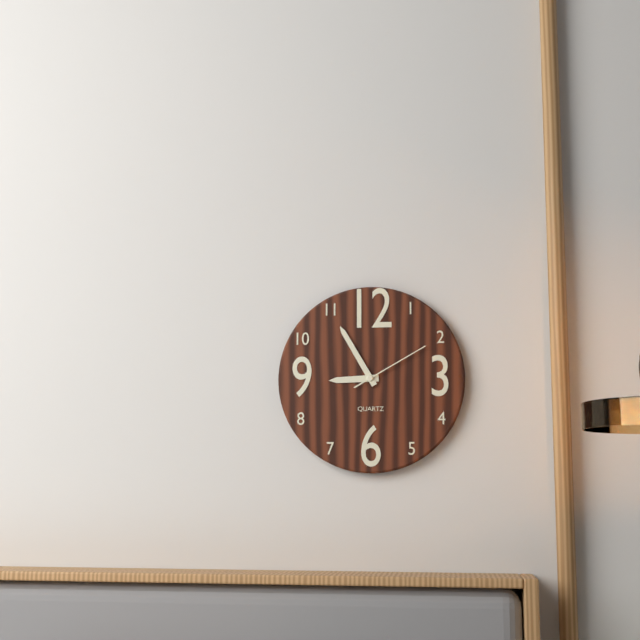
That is h=8 m=55 s=10
